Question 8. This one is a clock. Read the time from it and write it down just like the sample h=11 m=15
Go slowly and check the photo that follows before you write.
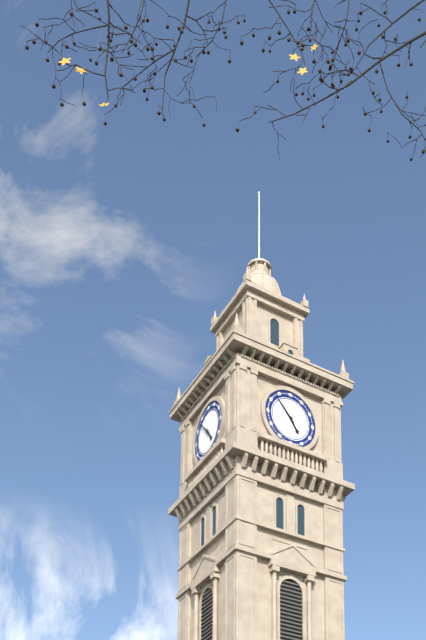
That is h=4 m=53
